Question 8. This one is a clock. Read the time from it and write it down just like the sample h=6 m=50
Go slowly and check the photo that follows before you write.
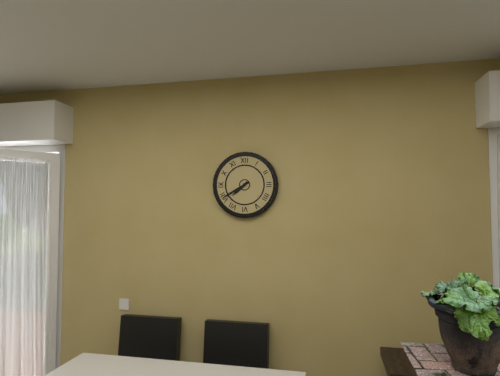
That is h=7 m=40
